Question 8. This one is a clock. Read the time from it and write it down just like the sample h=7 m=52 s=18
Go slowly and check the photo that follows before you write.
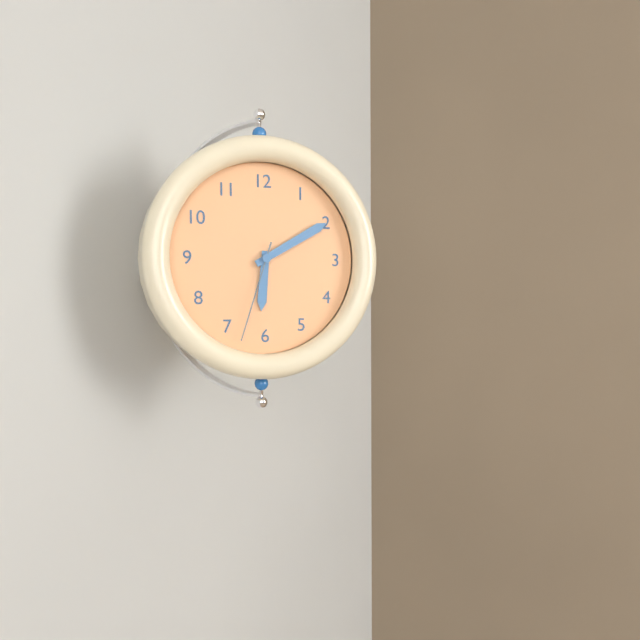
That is h=6 m=10 s=33
